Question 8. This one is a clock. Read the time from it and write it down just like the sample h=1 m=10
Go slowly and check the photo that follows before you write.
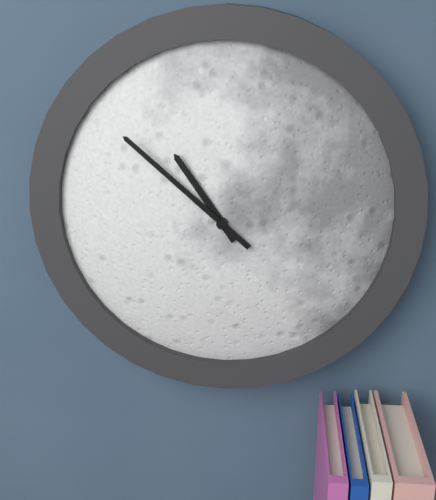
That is h=10 m=52
